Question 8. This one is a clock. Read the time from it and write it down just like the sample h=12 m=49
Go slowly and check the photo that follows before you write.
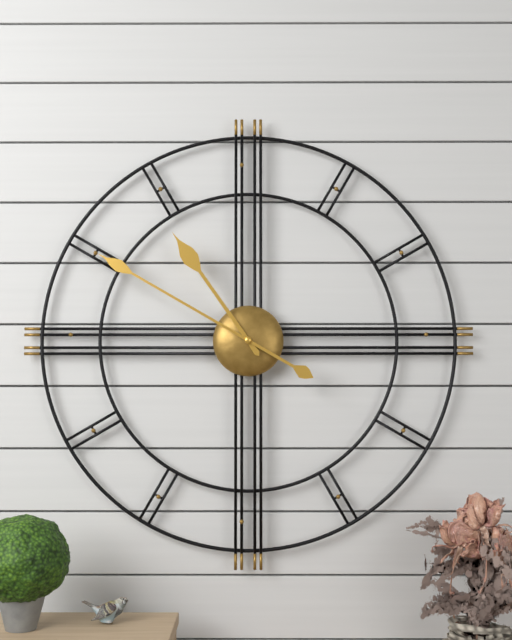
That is h=10 m=50
